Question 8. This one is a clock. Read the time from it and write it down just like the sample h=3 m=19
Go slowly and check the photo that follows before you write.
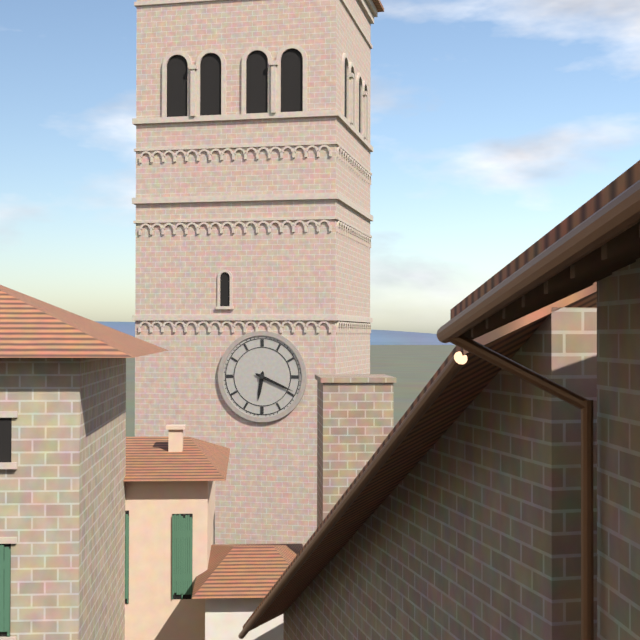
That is h=6 m=19
